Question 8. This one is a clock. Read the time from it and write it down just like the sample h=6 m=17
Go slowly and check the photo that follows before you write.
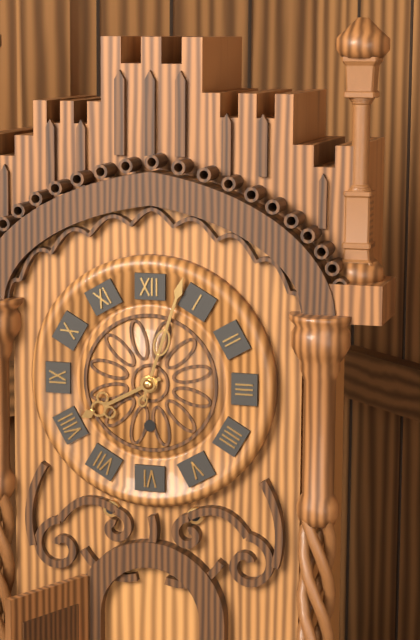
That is h=8 m=3
